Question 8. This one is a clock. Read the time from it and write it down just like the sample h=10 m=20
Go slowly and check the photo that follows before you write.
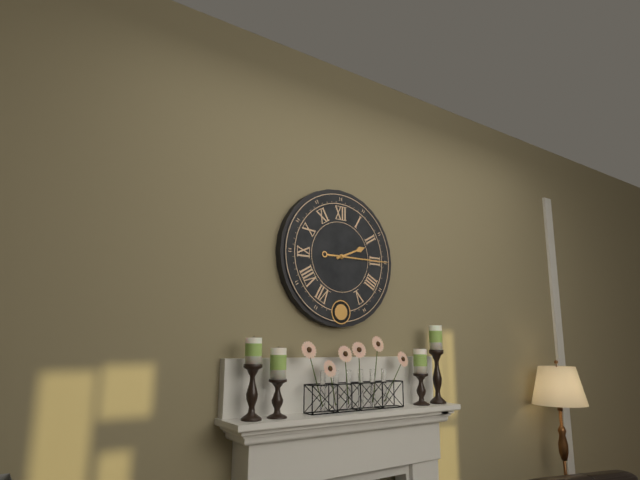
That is h=2 m=15
